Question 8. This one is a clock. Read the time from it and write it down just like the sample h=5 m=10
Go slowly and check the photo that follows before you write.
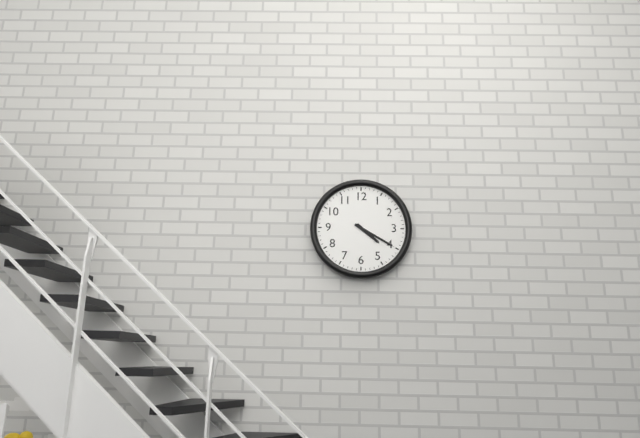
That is h=4 m=20
